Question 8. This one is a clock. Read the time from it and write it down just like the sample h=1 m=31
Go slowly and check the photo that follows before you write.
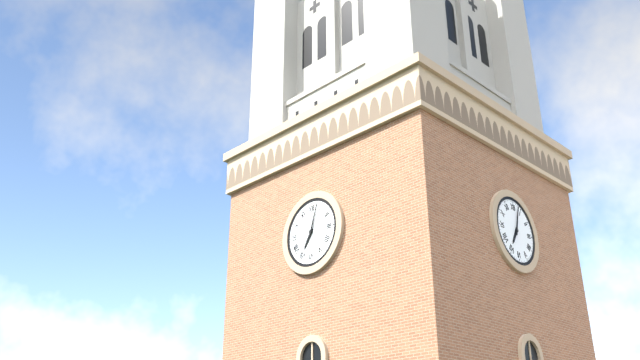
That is h=7 m=3
